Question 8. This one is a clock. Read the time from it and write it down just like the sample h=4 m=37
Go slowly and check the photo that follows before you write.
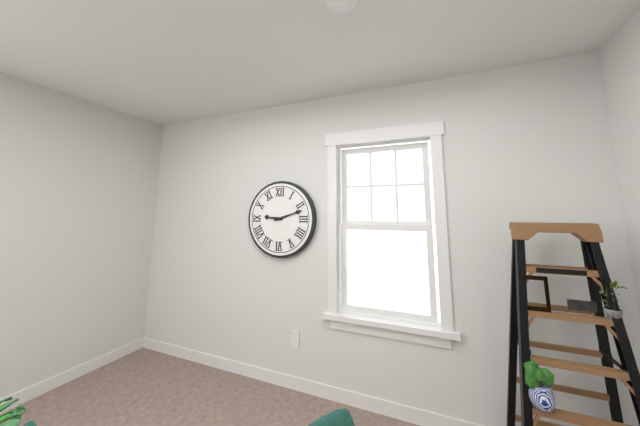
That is h=9 m=12
